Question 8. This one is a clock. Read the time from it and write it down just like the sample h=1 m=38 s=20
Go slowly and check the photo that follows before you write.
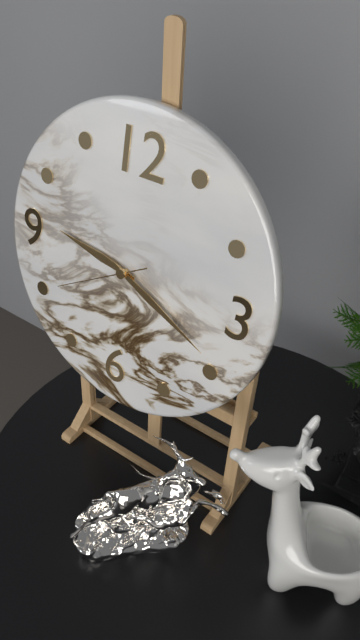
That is h=9 m=19 s=40
